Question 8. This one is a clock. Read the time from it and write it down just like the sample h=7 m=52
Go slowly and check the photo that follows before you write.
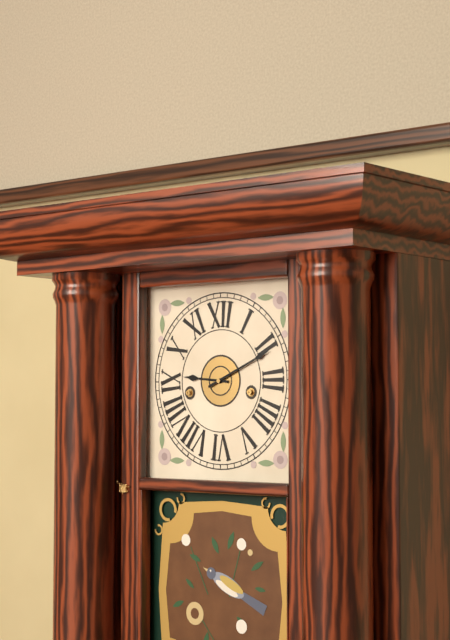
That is h=9 m=11
